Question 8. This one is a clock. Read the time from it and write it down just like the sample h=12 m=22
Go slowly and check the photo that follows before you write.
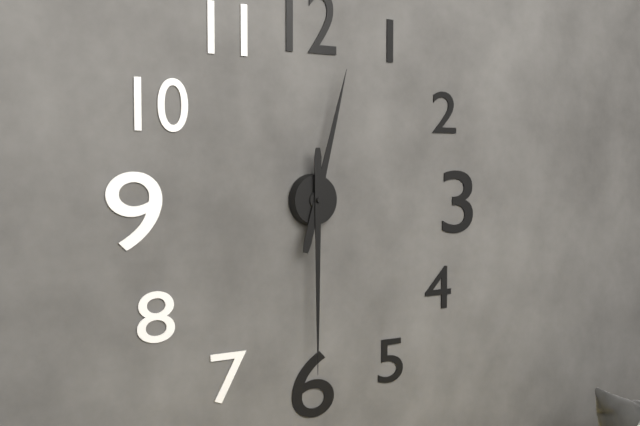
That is h=12 m=30
